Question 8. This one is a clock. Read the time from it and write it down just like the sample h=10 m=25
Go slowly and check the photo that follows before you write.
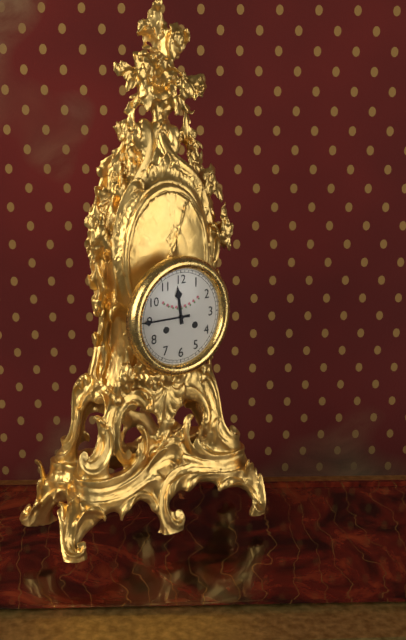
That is h=11 m=45
